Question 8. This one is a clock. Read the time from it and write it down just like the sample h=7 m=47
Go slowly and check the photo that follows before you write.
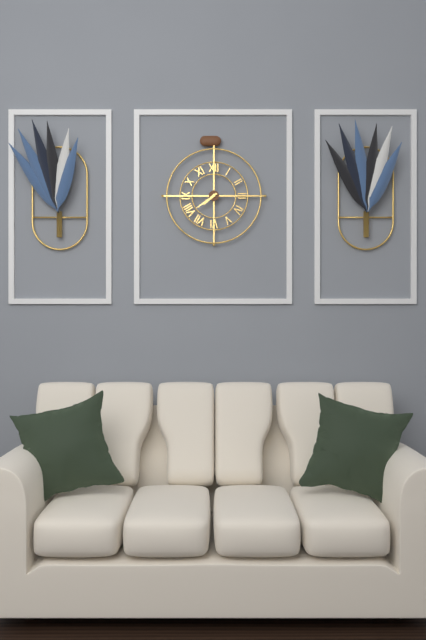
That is h=7 m=39
